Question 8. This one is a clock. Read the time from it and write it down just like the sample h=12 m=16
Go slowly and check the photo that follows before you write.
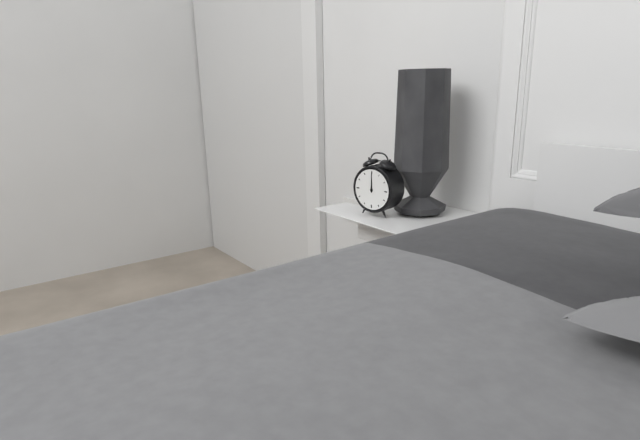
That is h=12 m=0
